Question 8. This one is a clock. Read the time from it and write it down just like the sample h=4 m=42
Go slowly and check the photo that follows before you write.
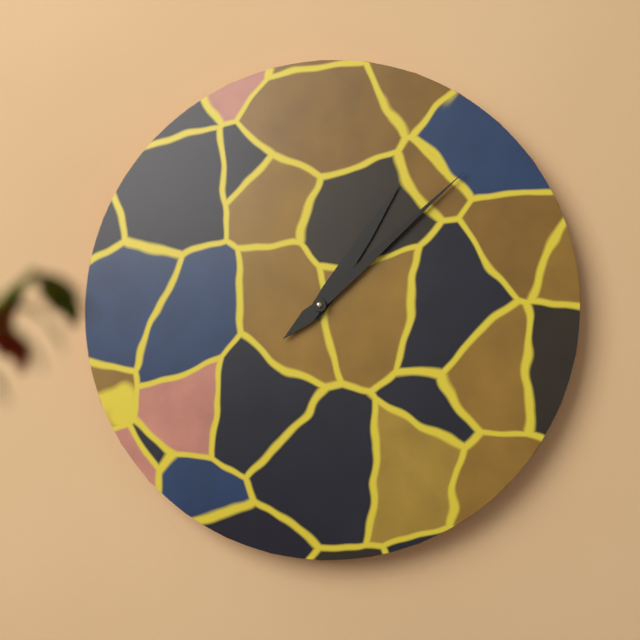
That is h=1 m=8
